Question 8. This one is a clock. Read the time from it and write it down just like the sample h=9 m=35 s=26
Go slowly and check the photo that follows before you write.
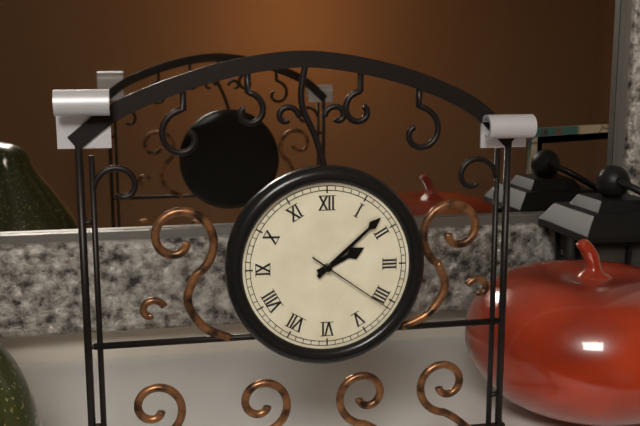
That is h=2 m=8 s=21
